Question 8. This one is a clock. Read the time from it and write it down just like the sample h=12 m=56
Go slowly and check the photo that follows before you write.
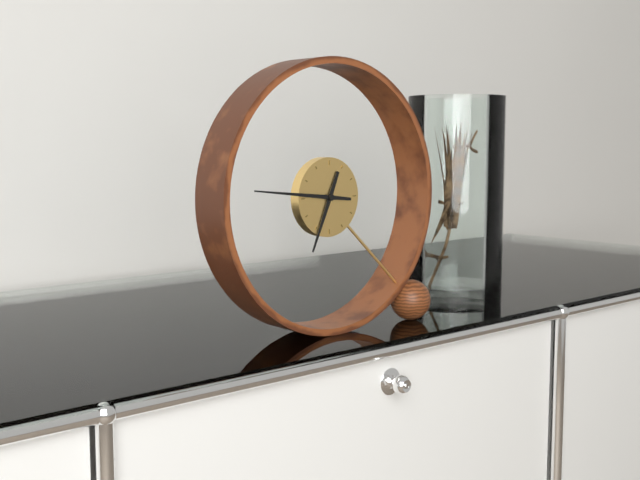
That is h=6 m=46
